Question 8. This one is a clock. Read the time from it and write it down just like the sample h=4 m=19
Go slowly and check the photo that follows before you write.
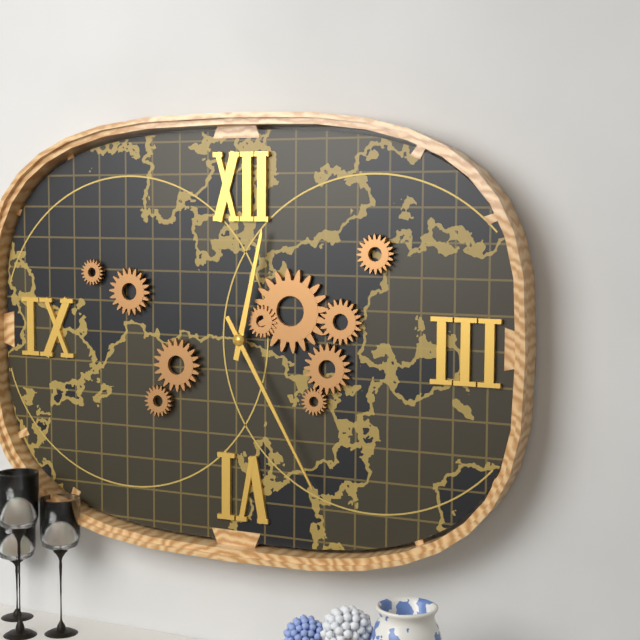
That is h=12 m=25
